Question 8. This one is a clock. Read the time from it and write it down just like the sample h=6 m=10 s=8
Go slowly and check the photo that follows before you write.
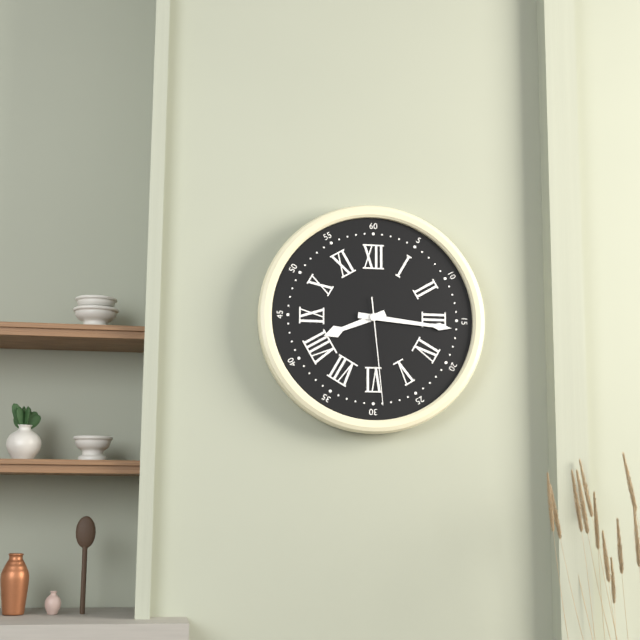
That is h=8 m=16 s=29
